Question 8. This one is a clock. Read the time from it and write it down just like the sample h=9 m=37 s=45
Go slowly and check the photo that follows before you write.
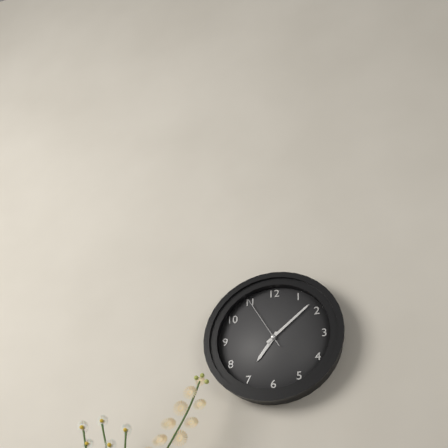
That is h=7 m=8 s=55
